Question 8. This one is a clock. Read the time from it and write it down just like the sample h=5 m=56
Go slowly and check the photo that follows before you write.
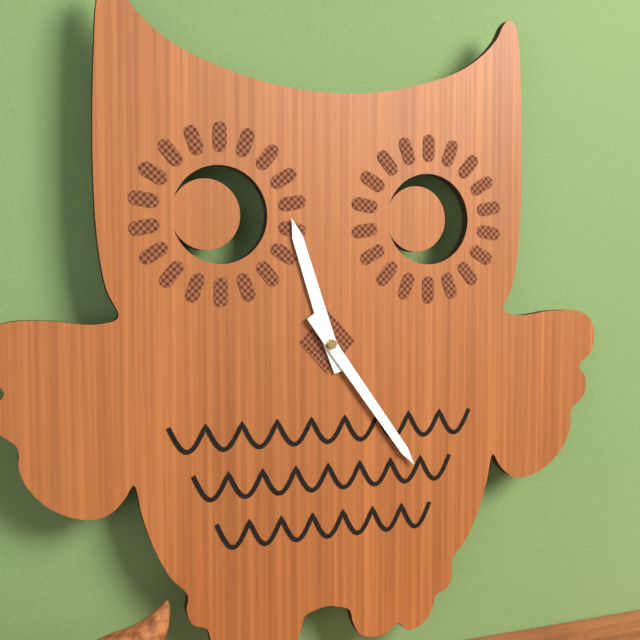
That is h=11 m=24
